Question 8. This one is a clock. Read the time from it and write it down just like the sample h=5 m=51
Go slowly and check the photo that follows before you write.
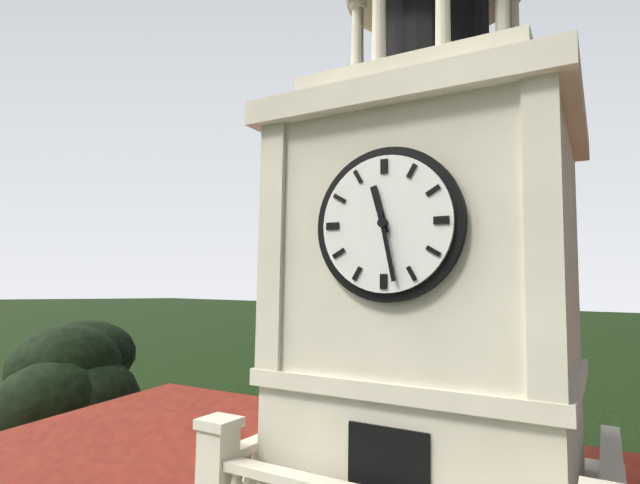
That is h=11 m=28
